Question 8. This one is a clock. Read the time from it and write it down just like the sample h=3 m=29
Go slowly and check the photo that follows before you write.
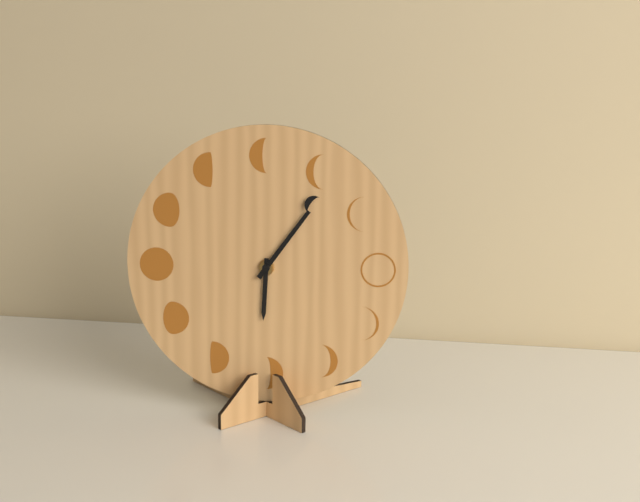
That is h=6 m=6
